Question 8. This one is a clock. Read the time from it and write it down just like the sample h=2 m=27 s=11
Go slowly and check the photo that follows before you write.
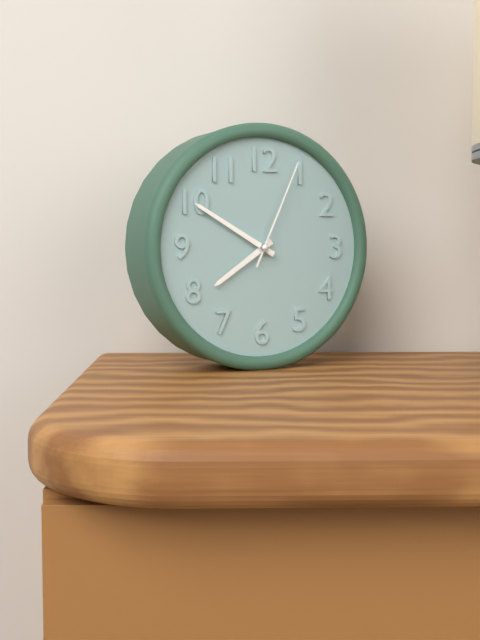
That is h=7 m=50 s=4
